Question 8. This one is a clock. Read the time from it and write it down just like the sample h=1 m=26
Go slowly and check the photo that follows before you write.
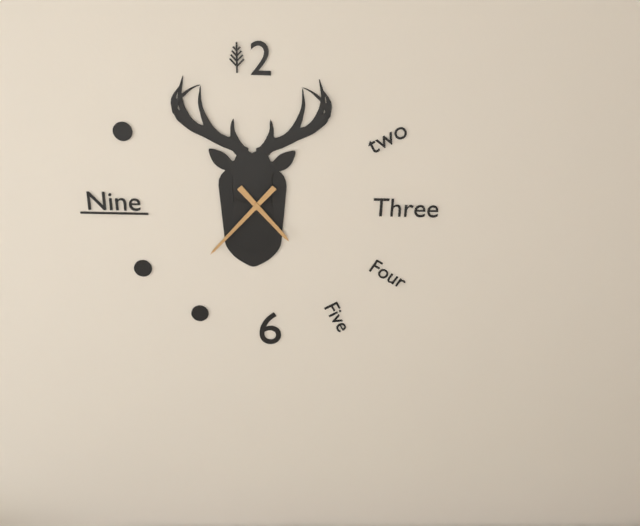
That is h=4 m=37
